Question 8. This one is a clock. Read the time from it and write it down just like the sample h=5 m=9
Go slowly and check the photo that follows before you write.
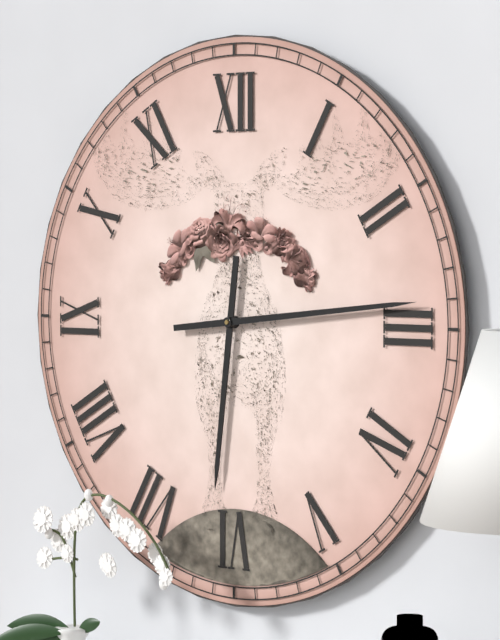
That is h=6 m=14
